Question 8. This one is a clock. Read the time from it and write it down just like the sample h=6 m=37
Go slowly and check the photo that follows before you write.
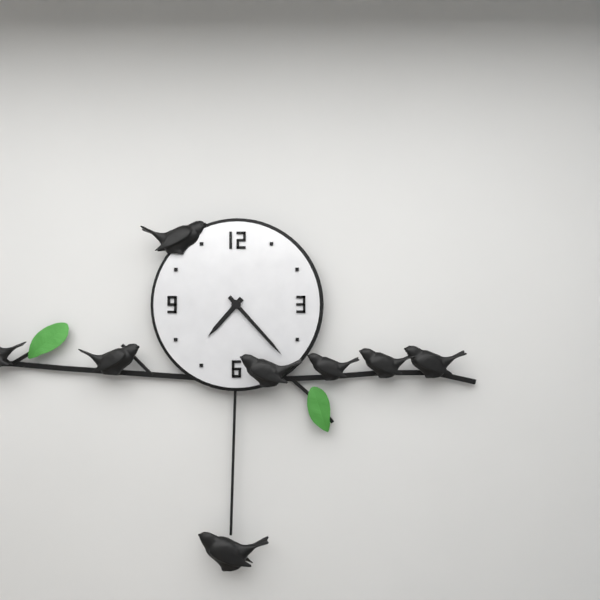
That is h=7 m=23
